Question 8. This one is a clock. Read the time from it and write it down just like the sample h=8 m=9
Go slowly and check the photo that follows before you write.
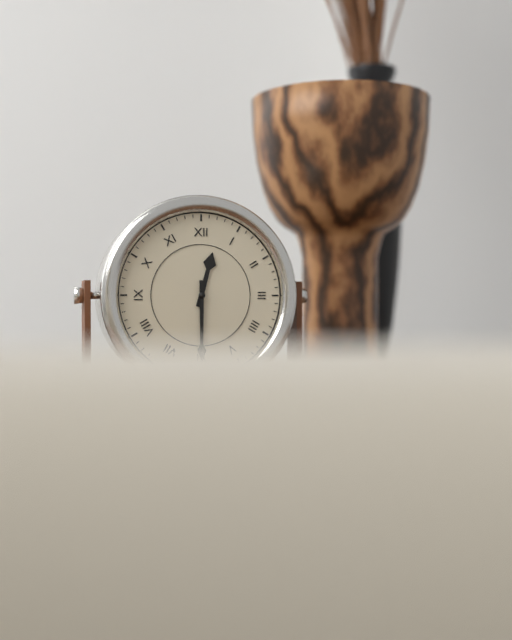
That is h=12 m=30
